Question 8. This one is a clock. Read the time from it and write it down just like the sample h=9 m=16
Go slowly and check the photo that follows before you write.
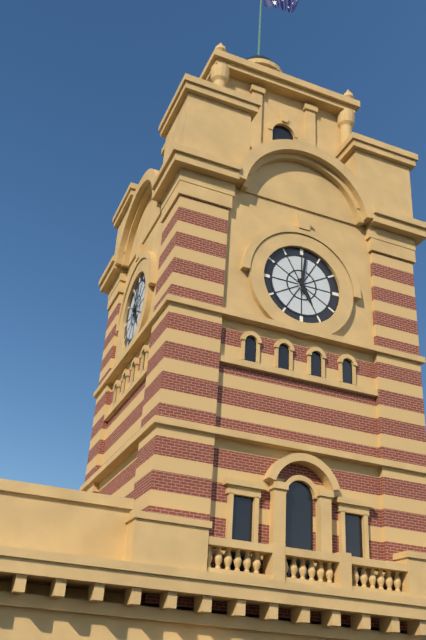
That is h=5 m=1
